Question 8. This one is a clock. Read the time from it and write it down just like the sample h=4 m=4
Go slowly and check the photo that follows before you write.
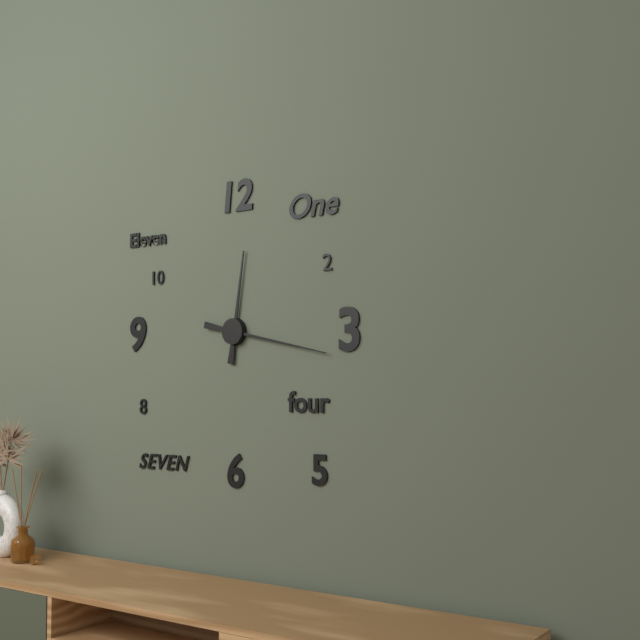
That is h=12 m=17
